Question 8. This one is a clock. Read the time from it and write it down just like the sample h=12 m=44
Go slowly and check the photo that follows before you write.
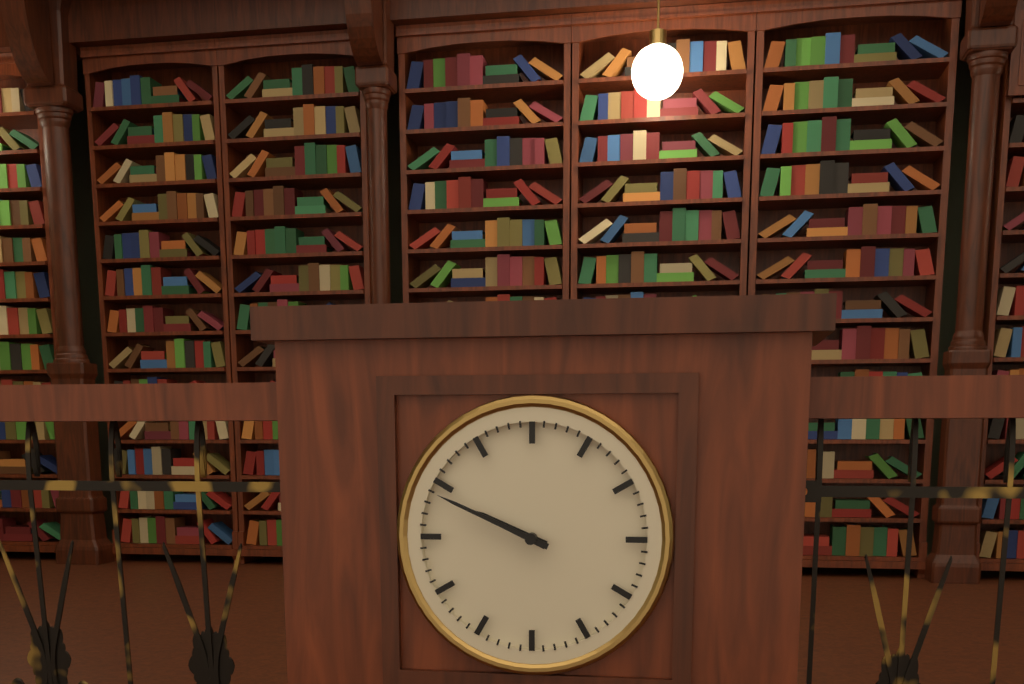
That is h=9 m=49
